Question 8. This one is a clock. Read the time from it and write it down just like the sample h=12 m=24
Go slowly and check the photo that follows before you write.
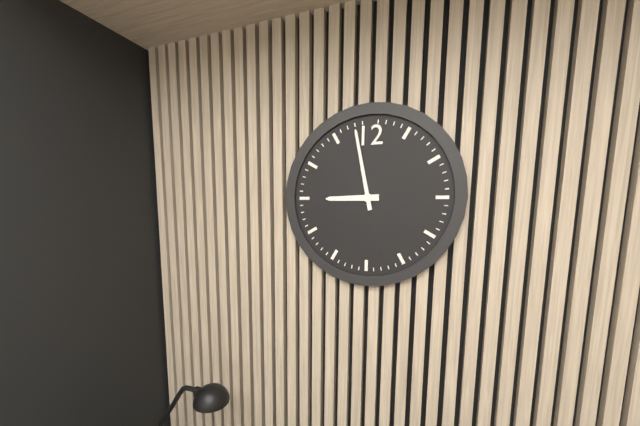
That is h=8 m=58
